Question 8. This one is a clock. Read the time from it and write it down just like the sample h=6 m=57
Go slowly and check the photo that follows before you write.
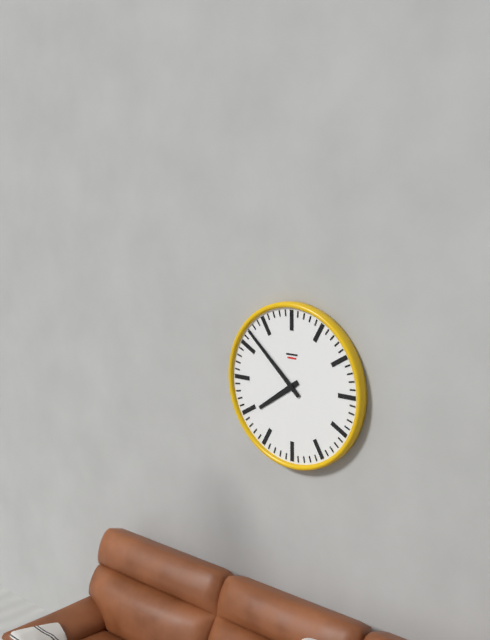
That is h=7 m=52
